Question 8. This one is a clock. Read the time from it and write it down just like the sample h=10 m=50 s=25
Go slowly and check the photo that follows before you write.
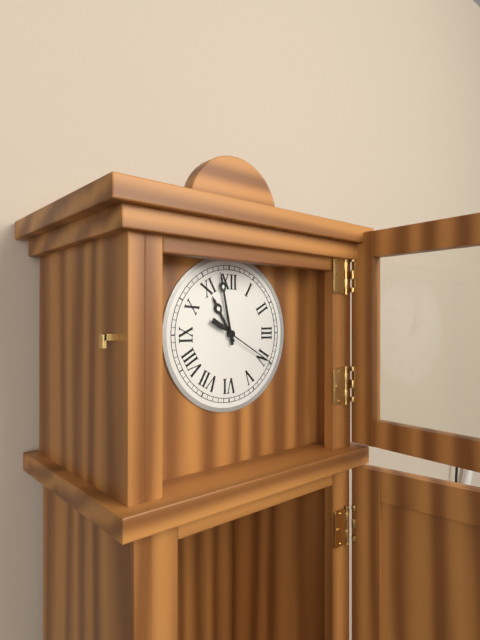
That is h=10 m=58 s=20
